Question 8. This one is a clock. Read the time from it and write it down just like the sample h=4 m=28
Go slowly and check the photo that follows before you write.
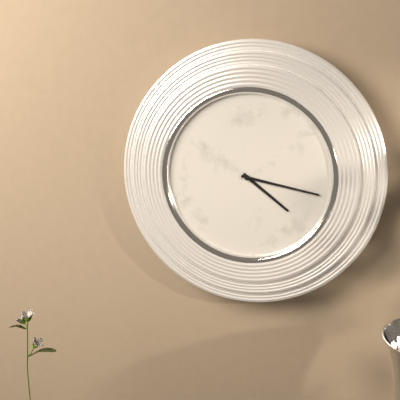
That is h=4 m=17
